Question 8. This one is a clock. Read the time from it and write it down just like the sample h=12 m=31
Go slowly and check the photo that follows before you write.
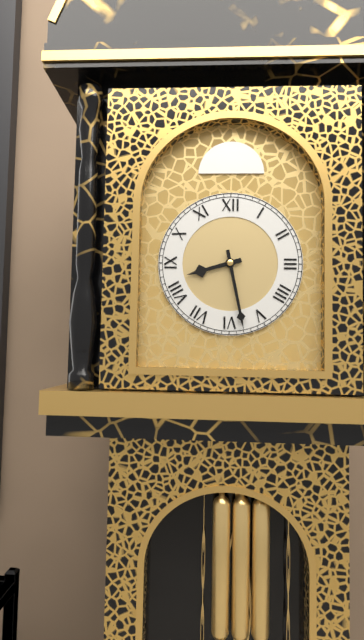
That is h=8 m=28
